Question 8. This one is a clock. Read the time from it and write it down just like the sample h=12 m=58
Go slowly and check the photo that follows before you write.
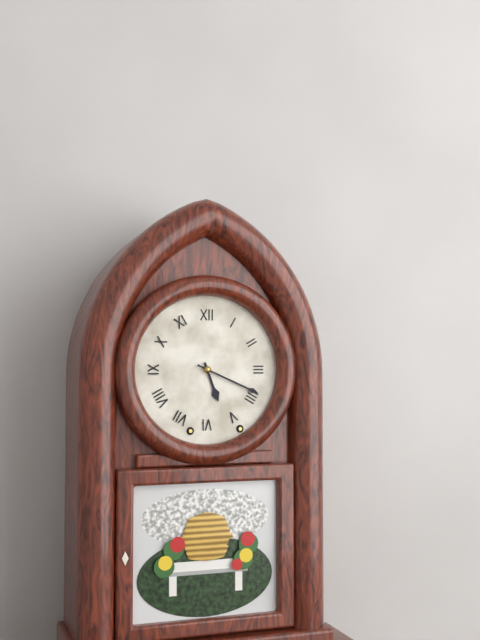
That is h=5 m=19
